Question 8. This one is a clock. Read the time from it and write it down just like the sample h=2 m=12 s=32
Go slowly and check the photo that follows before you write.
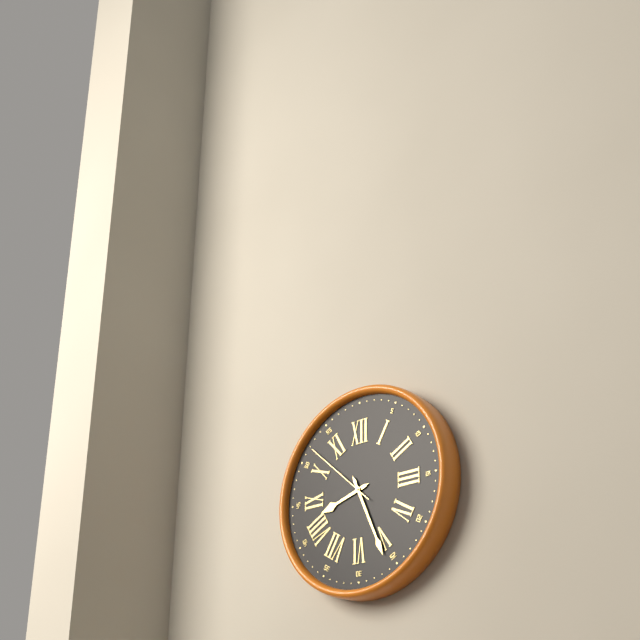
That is h=8 m=26 s=52
